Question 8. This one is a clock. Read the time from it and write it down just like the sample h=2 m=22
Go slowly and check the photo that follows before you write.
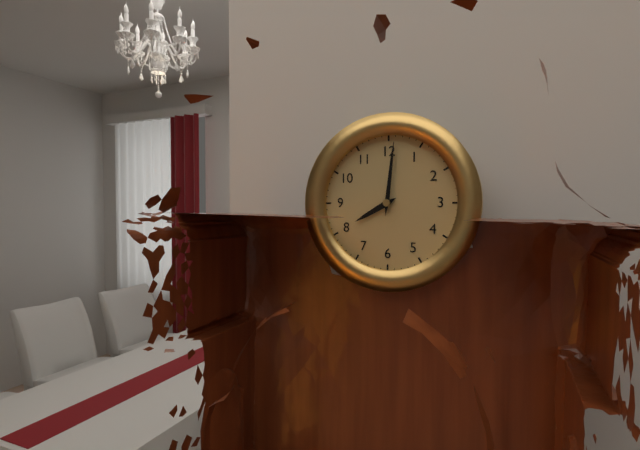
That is h=8 m=1
